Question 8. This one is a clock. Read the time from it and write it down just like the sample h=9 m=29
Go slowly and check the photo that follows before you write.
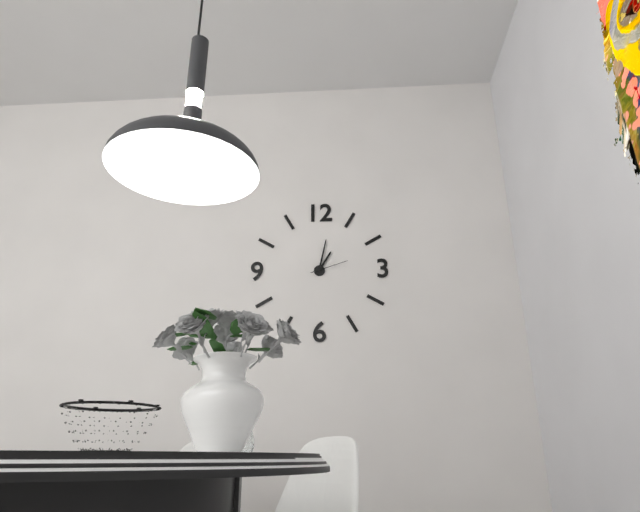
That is h=1 m=2
